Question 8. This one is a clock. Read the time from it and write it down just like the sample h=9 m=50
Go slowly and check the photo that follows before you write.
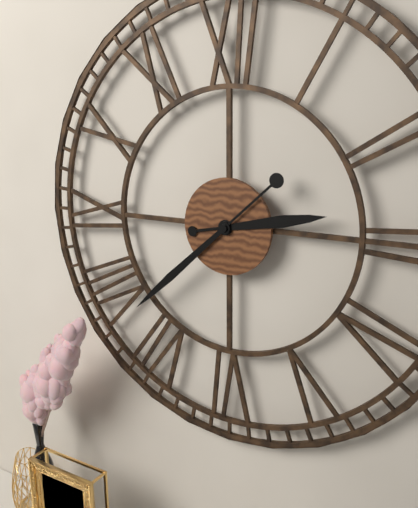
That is h=2 m=38
